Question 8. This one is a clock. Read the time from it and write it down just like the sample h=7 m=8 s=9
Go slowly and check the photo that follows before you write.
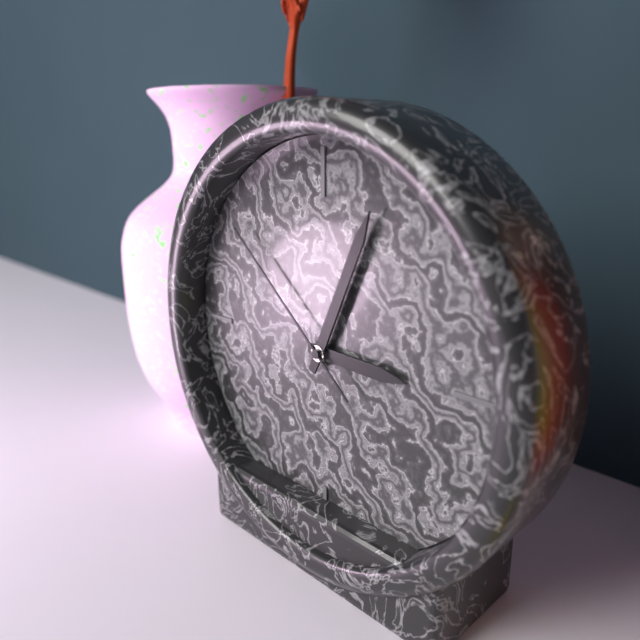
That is h=3 m=4 s=52
